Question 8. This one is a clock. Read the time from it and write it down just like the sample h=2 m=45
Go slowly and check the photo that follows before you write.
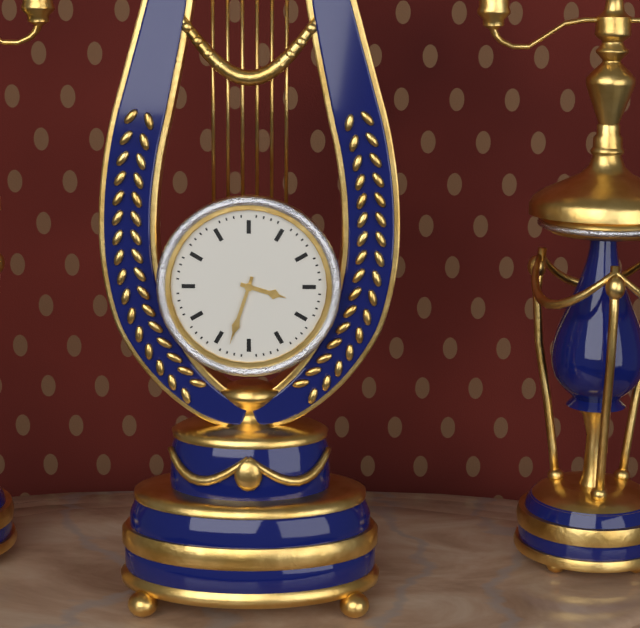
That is h=3 m=33
